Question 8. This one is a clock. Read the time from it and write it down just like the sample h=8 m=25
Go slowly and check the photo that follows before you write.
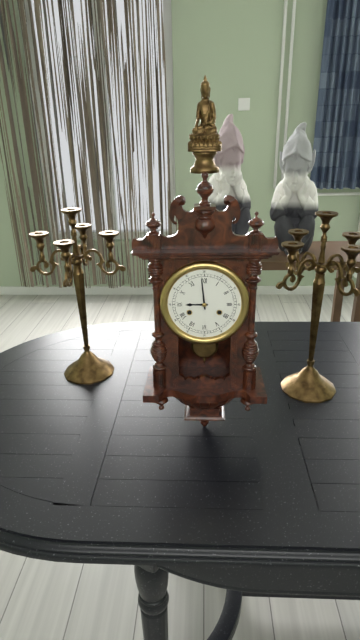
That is h=8 m=59
